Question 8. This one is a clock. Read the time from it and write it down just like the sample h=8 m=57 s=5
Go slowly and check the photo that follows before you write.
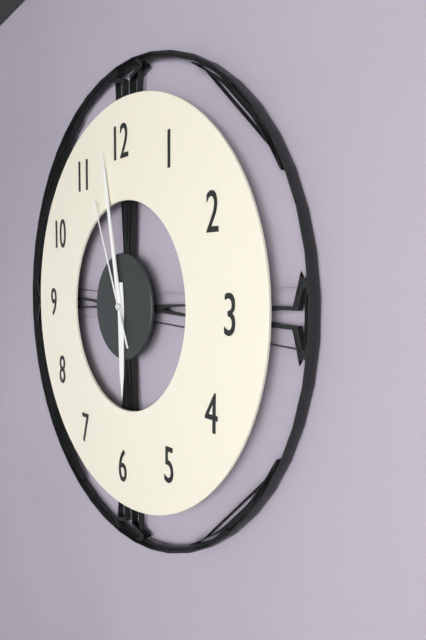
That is h=5 m=58 s=56
